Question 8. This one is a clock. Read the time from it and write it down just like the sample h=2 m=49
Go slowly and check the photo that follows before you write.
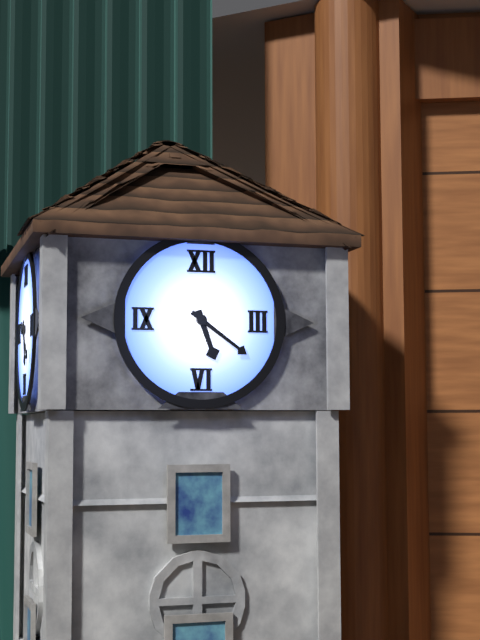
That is h=5 m=21
